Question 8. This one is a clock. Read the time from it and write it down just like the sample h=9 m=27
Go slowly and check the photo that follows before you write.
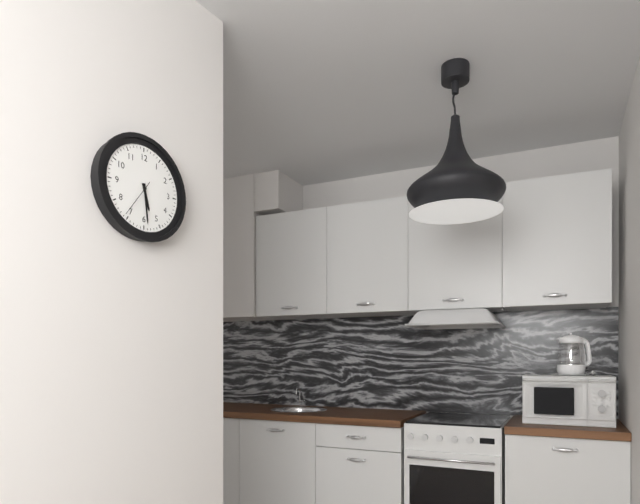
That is h=5 m=29
